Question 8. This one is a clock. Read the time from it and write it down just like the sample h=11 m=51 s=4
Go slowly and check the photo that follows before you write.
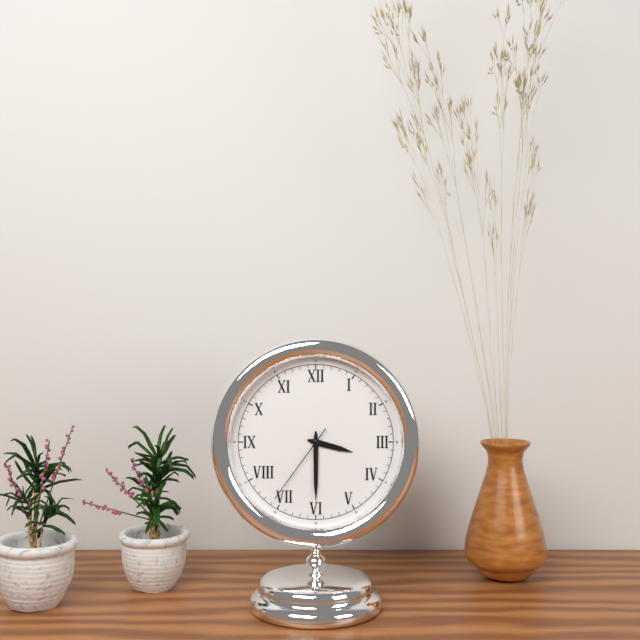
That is h=3 m=30 s=36
